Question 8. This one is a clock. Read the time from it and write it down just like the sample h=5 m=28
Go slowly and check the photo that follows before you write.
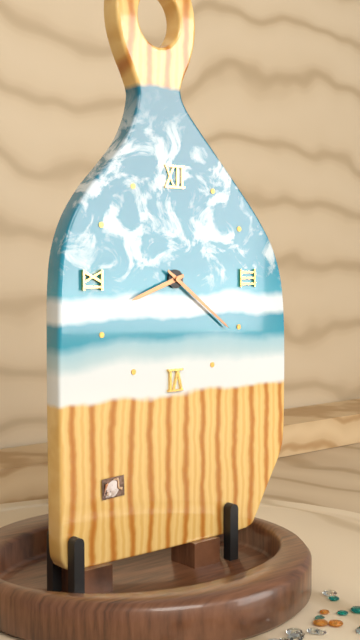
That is h=8 m=21
